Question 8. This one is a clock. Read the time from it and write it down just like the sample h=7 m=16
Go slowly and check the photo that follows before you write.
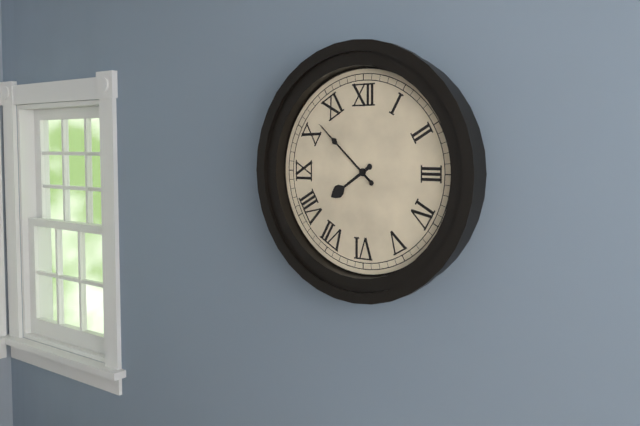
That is h=7 m=52
